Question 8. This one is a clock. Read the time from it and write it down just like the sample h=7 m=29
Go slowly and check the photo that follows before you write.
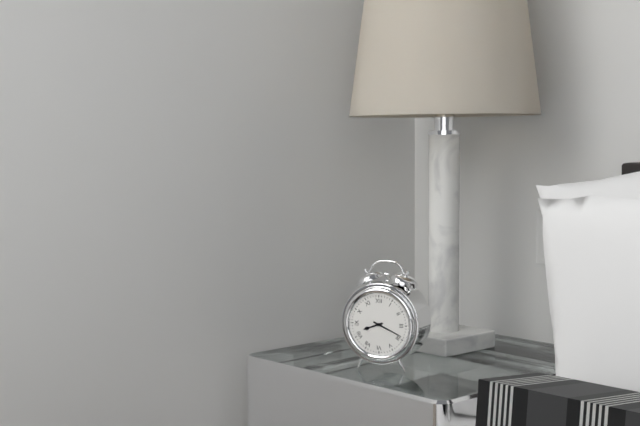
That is h=8 m=19
